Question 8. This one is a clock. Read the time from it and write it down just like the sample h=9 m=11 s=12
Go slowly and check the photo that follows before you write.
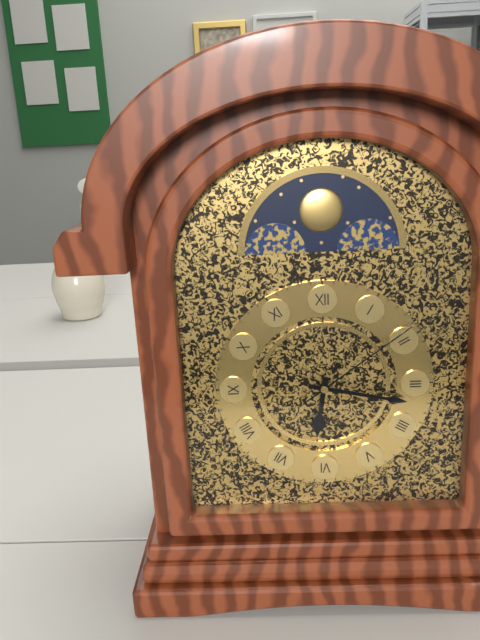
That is h=6 m=17 s=9
